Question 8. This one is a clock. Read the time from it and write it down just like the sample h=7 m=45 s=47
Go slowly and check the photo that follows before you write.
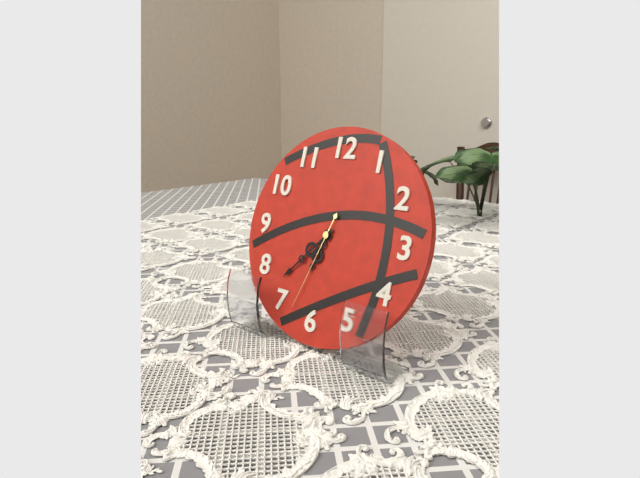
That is h=6 m=37 s=33
